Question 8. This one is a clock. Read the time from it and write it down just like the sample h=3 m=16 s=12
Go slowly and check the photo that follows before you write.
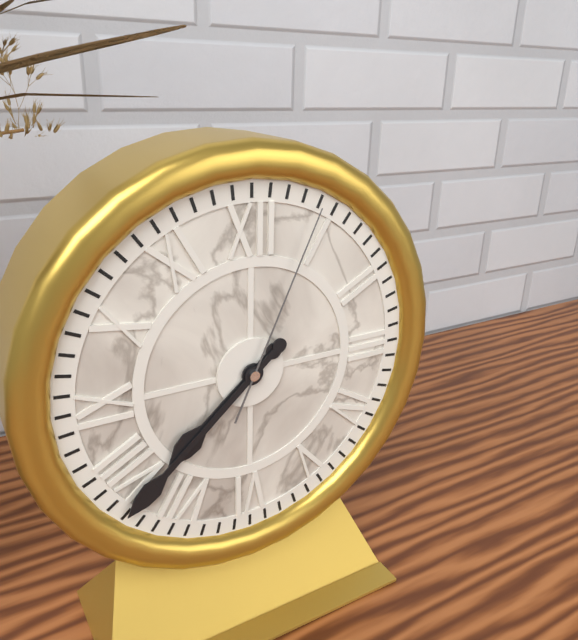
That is h=7 m=38 s=4
